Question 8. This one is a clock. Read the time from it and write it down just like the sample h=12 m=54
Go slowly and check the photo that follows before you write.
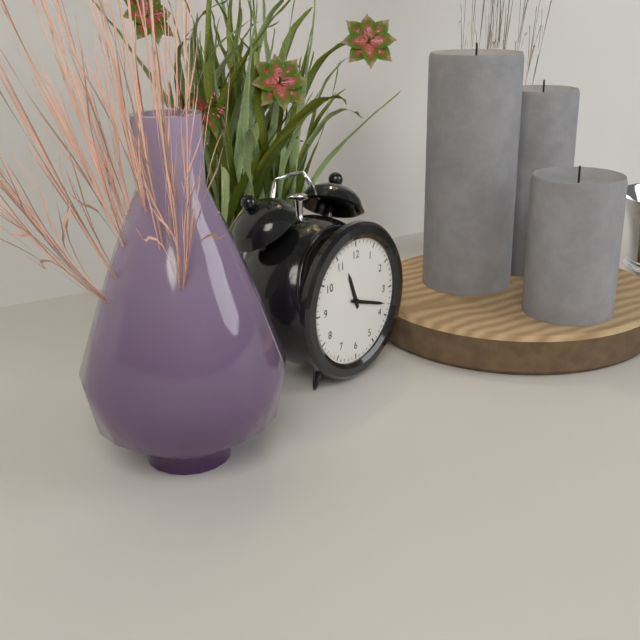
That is h=11 m=18
